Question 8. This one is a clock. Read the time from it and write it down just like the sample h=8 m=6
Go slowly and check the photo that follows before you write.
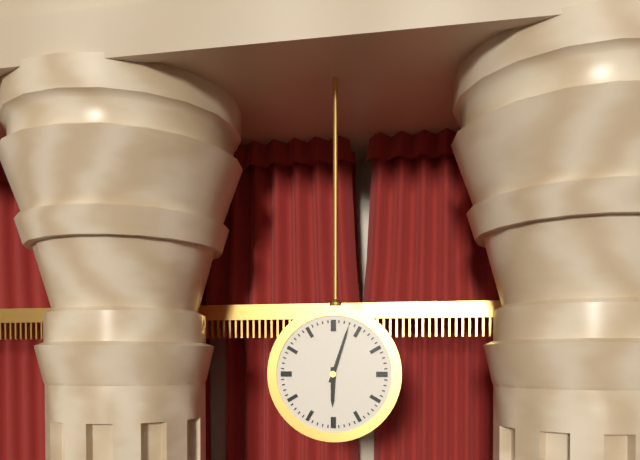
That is h=6 m=3
